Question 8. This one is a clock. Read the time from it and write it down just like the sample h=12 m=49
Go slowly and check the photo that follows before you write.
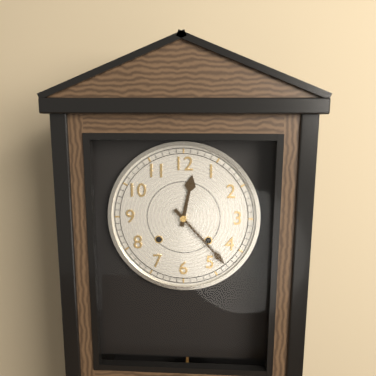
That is h=12 m=23
